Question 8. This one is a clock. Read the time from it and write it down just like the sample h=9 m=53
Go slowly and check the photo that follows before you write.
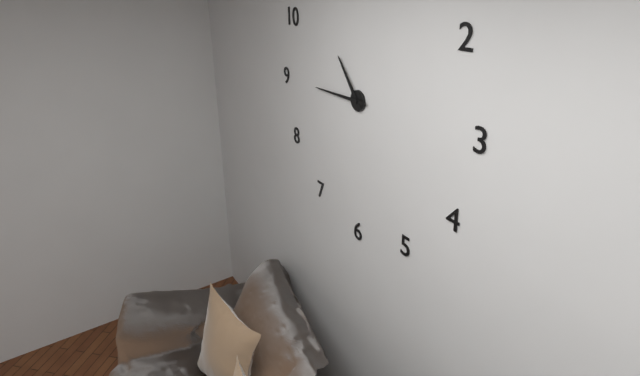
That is h=10 m=45
